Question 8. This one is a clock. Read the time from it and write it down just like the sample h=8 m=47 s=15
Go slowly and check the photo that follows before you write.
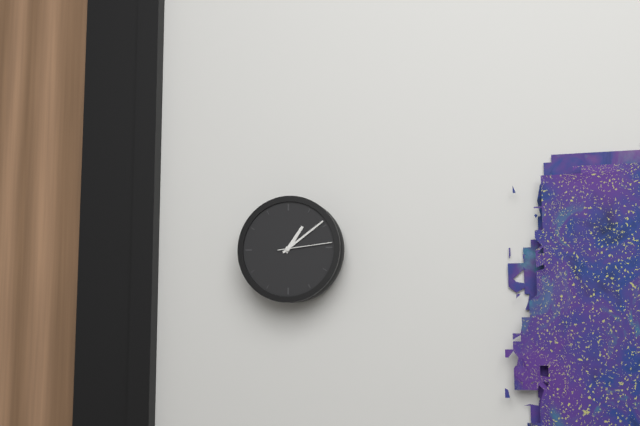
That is h=1 m=9 s=14
